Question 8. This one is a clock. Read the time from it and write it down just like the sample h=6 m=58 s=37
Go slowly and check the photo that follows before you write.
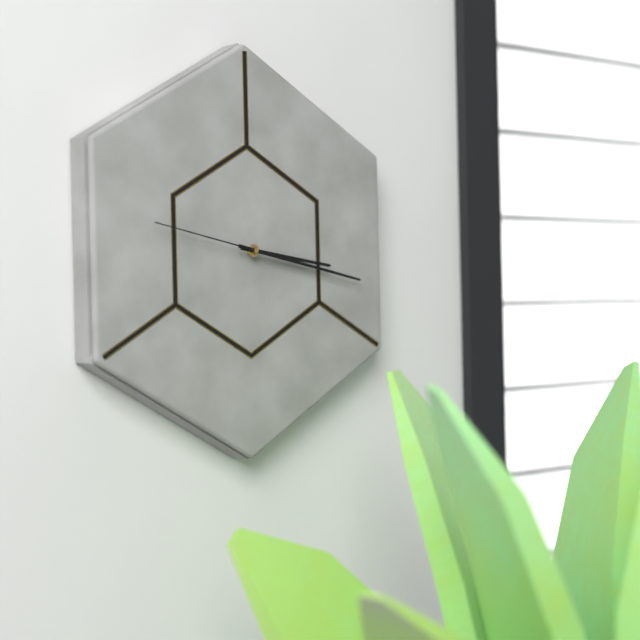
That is h=3 m=17 s=47
